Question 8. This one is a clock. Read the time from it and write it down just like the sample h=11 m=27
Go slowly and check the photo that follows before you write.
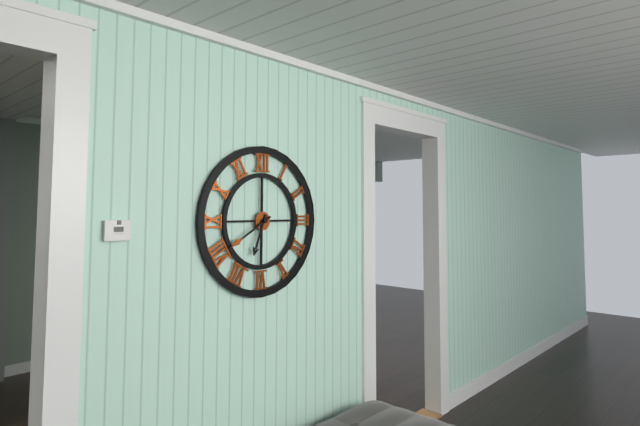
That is h=6 m=40
